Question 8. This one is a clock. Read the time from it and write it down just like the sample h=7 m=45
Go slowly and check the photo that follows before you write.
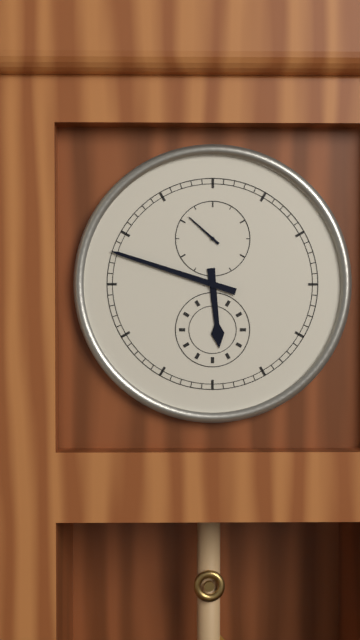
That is h=5 m=48
